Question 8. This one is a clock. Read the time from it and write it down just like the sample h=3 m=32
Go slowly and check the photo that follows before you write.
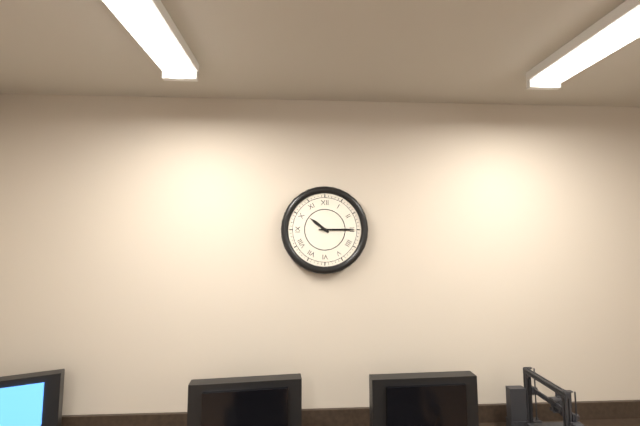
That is h=10 m=15
